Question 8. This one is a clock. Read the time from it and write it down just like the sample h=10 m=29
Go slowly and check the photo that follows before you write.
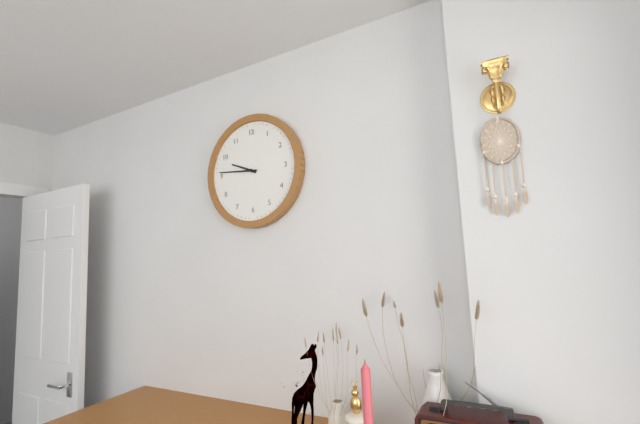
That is h=9 m=46
